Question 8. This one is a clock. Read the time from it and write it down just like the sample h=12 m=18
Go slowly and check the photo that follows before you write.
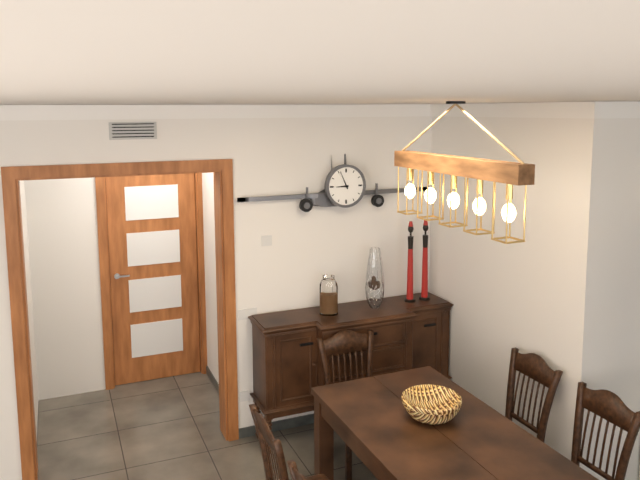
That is h=8 m=56
